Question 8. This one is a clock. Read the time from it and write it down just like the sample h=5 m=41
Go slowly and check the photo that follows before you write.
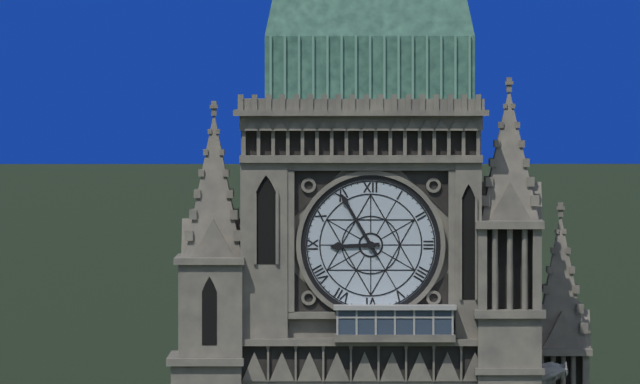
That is h=8 m=55
